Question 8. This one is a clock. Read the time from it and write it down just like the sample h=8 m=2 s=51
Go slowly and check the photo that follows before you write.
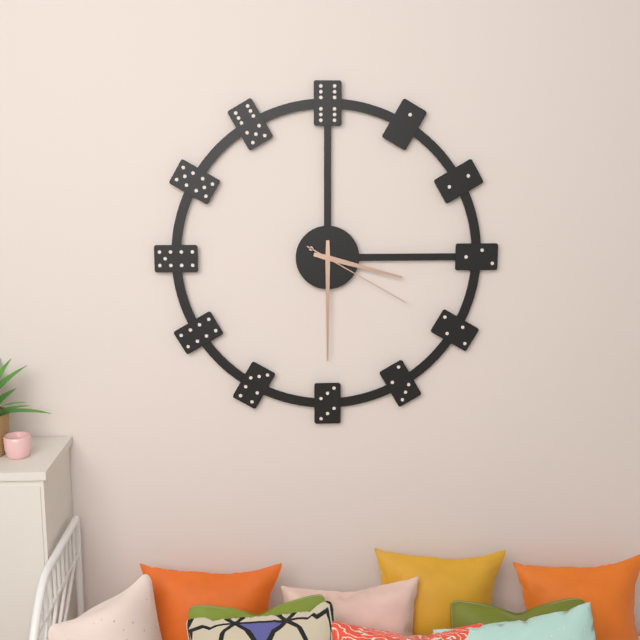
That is h=3 m=30 s=20
